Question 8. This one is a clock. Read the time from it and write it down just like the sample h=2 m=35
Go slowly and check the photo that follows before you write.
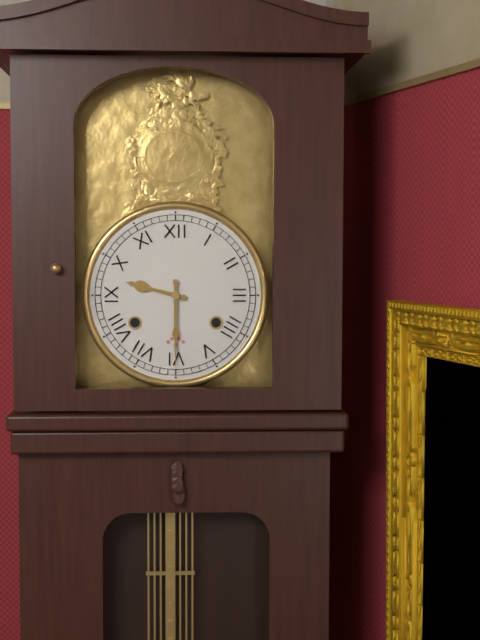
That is h=9 m=30
